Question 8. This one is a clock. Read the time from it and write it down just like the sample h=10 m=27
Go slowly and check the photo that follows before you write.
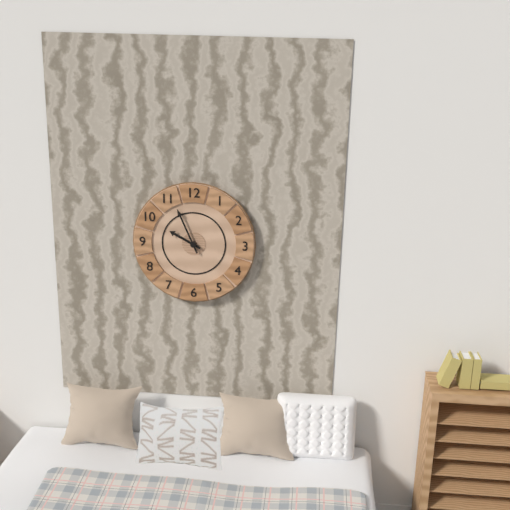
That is h=9 m=56
